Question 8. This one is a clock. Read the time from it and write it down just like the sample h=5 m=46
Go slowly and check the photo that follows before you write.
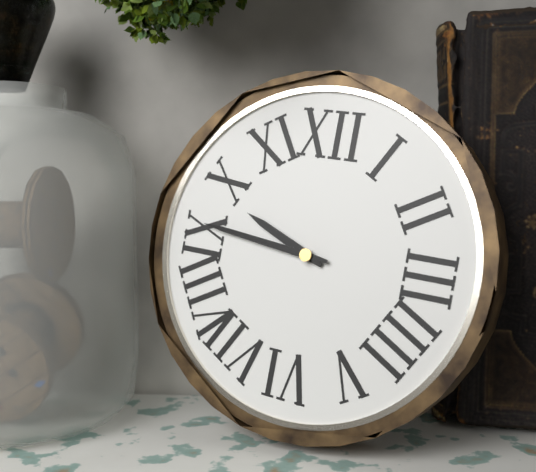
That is h=9 m=46
